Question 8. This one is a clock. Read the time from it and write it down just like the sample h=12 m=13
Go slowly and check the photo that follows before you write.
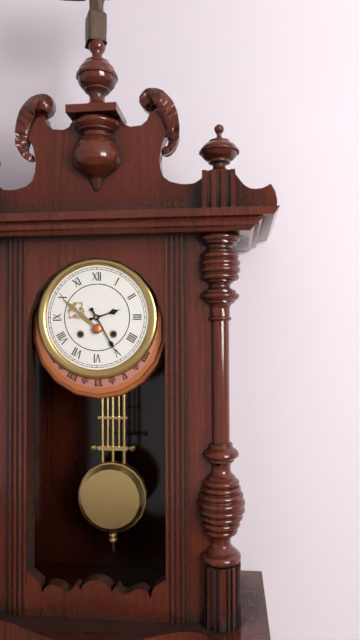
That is h=2 m=25
